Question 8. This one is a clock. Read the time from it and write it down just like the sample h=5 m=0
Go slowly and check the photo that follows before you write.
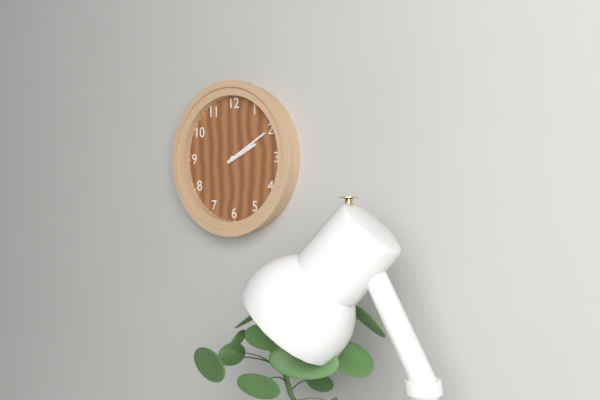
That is h=2 m=10
